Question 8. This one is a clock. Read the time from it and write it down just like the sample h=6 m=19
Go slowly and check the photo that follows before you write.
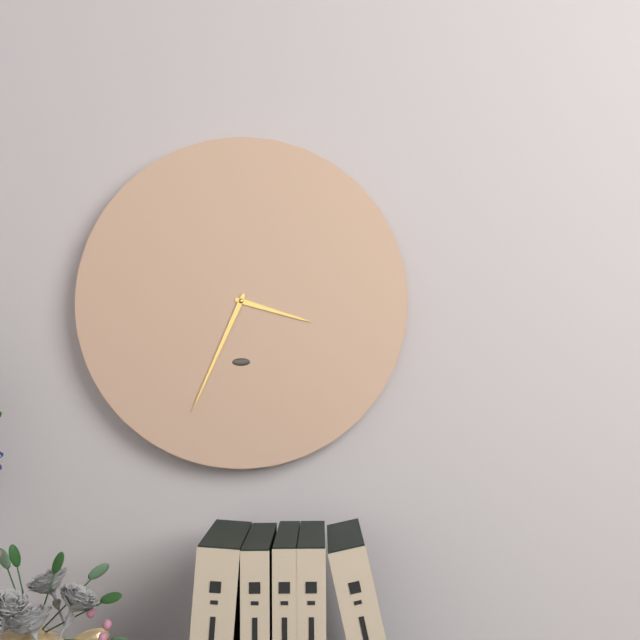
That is h=3 m=34
